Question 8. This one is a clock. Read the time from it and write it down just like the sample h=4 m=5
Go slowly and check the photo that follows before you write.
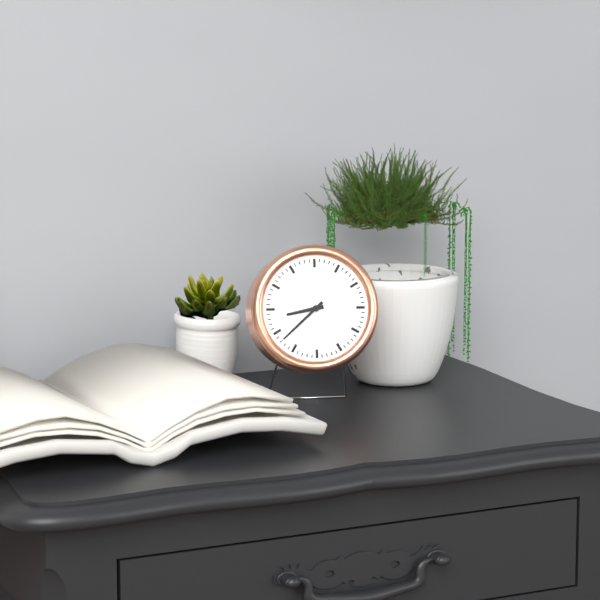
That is h=8 m=38
